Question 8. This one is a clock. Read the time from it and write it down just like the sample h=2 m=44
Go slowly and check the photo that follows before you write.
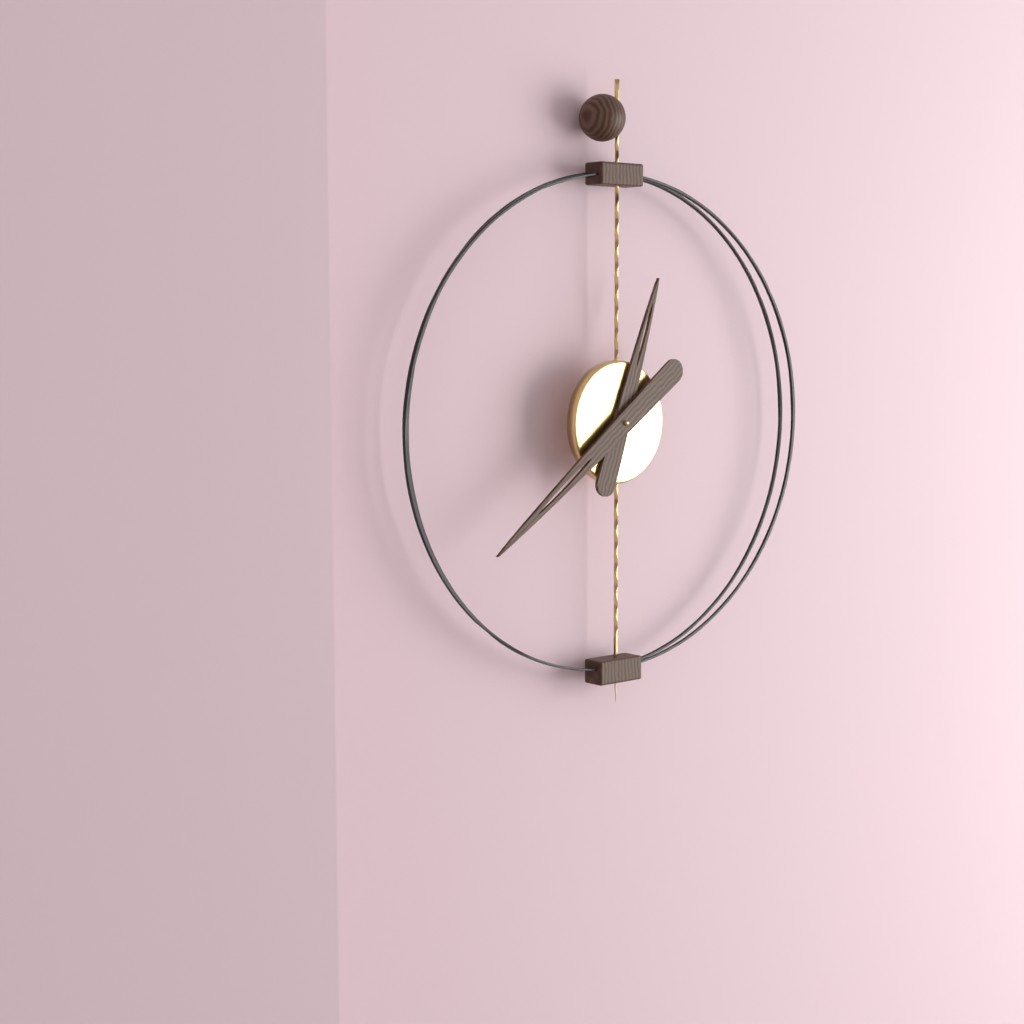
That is h=12 m=39
